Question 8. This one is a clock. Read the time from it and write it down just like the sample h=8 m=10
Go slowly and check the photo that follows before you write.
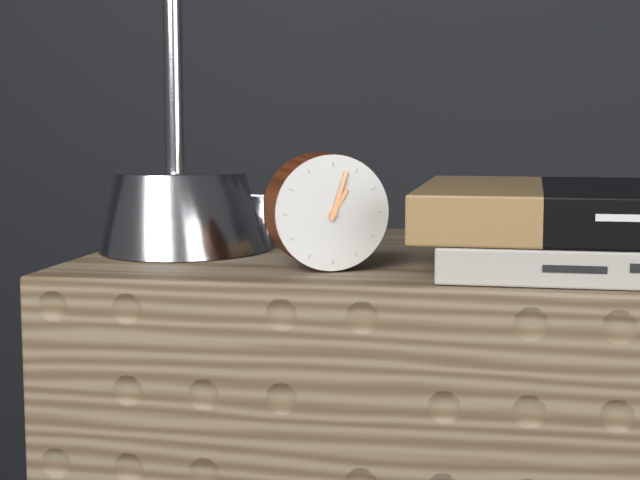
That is h=1 m=3
